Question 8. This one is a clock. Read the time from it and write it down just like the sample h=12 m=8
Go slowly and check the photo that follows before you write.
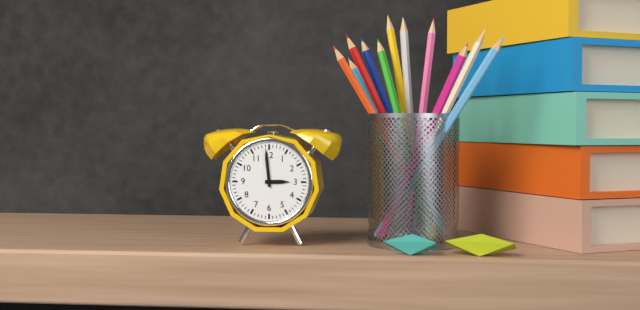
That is h=2 m=59
